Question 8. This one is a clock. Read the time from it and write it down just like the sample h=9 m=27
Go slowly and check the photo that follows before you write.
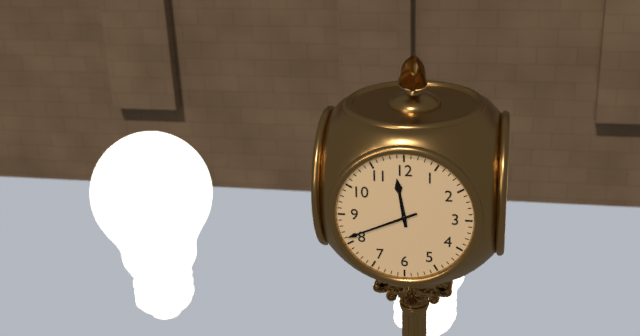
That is h=11 m=41
